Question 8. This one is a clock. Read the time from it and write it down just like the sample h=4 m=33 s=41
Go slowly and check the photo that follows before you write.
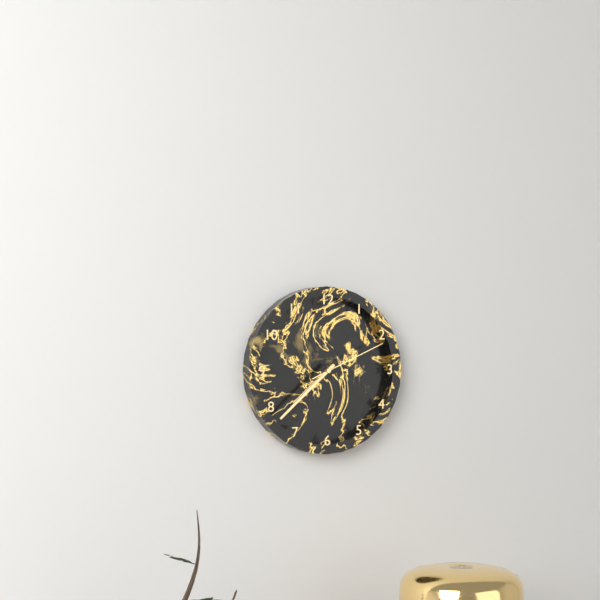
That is h=7 m=38 s=11
